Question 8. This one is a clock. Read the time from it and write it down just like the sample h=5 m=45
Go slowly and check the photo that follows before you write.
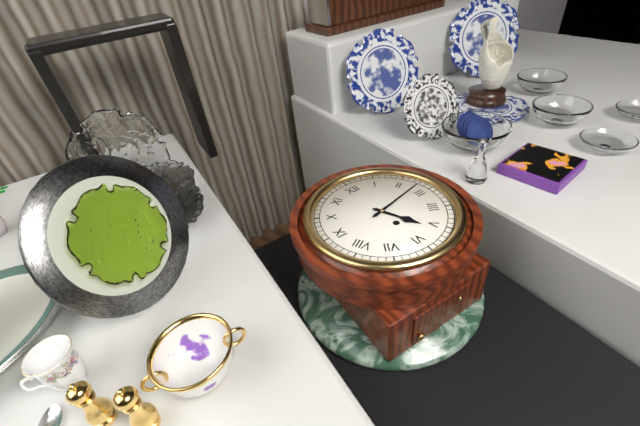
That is h=5 m=13
